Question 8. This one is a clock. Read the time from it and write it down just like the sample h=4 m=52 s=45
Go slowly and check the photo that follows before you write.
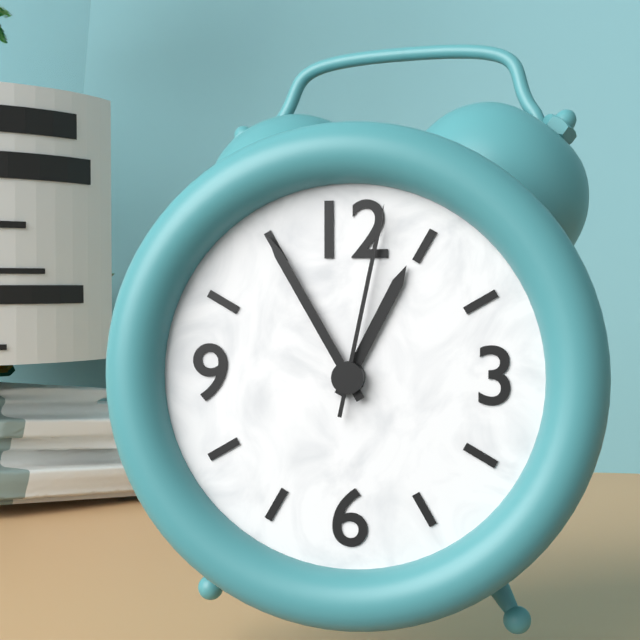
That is h=12 m=55 s=2
